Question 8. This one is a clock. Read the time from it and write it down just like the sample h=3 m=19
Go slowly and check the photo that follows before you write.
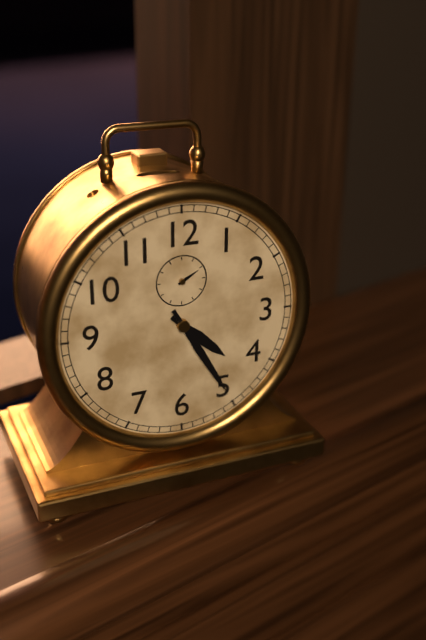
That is h=4 m=25
